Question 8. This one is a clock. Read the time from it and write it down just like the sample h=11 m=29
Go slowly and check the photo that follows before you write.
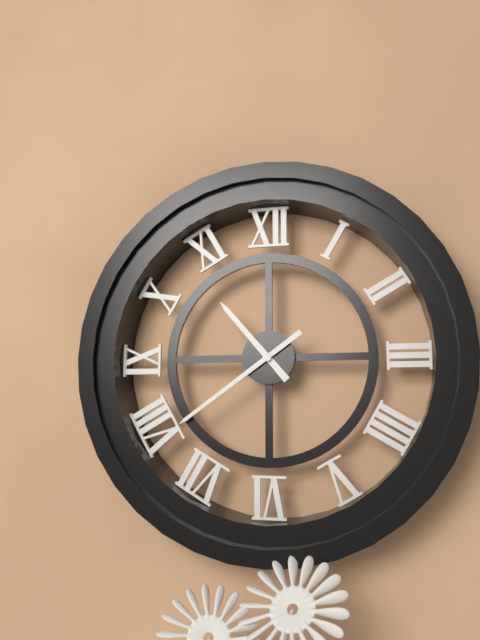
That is h=10 m=39
